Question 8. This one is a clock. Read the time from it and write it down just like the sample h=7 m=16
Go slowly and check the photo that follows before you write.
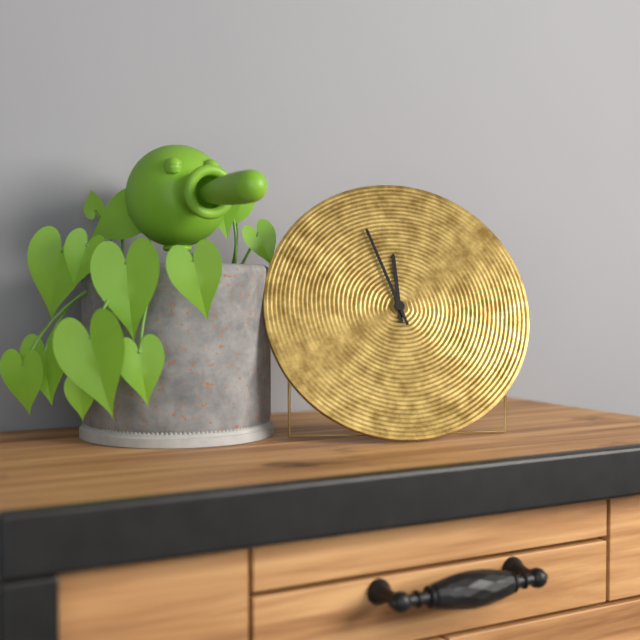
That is h=11 m=57
